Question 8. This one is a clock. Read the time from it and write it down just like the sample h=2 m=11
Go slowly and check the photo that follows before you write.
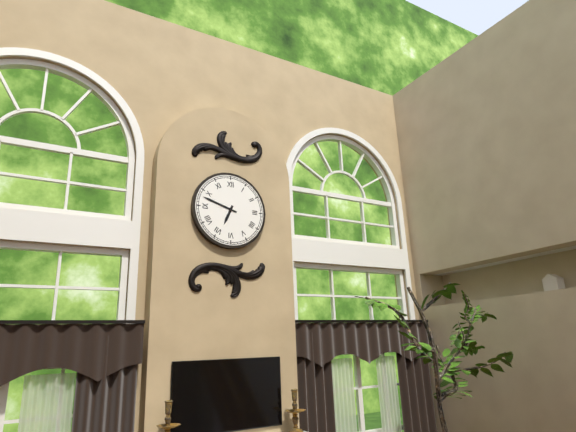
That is h=6 m=48
